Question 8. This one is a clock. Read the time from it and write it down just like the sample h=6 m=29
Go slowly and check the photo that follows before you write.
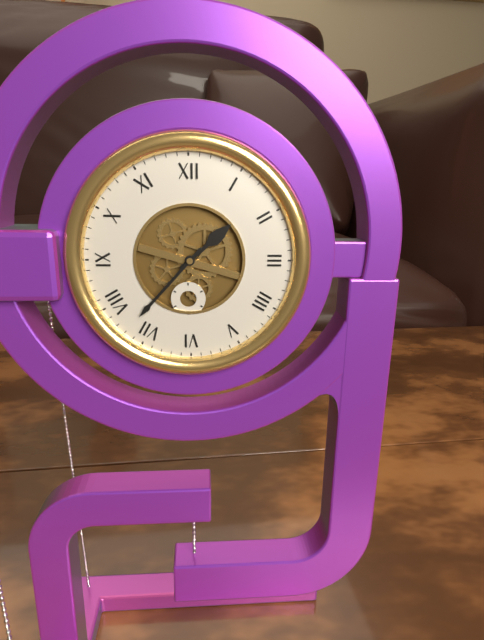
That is h=1 m=37
